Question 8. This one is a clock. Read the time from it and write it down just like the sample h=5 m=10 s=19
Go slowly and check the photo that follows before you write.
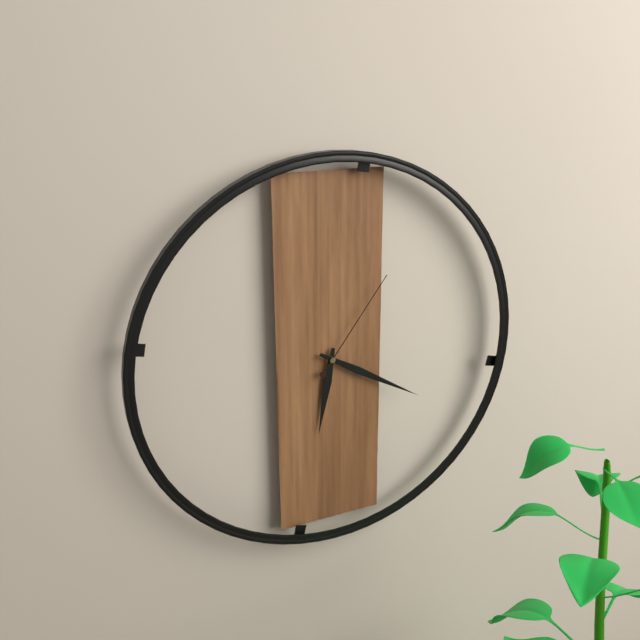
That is h=6 m=20 s=6
